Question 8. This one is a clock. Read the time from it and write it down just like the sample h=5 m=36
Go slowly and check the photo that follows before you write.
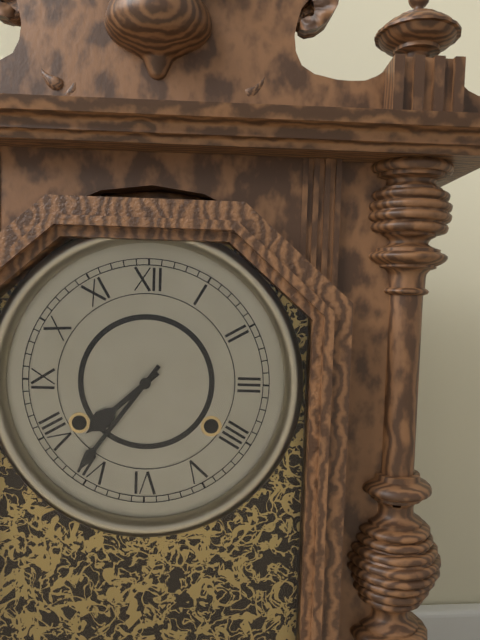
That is h=7 m=36
